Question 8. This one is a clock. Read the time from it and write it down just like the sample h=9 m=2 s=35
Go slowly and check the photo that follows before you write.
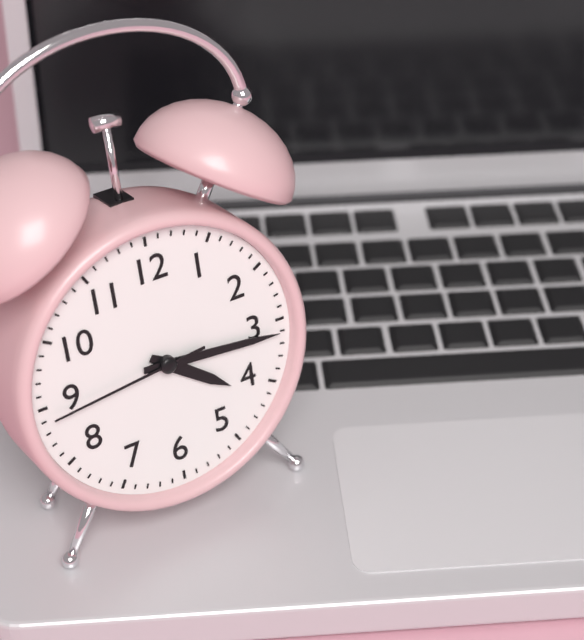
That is h=4 m=16 s=44
